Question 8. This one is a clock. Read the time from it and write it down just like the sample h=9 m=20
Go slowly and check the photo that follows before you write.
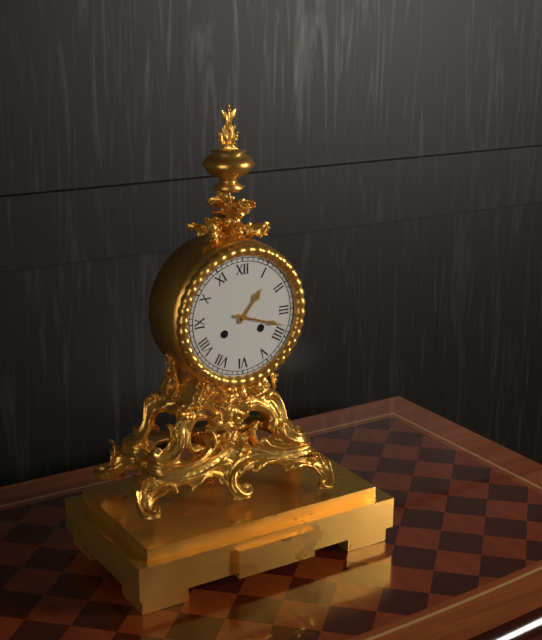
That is h=1 m=18
